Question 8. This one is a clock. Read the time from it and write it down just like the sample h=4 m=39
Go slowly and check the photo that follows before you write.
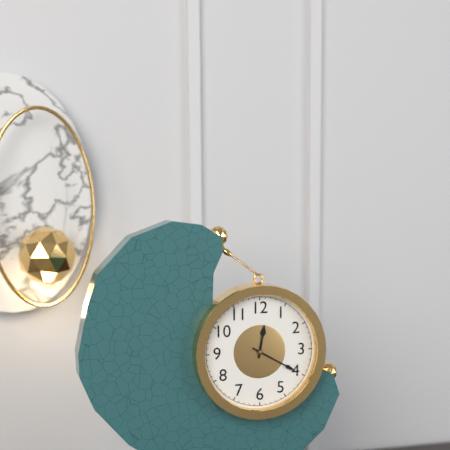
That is h=12 m=20
